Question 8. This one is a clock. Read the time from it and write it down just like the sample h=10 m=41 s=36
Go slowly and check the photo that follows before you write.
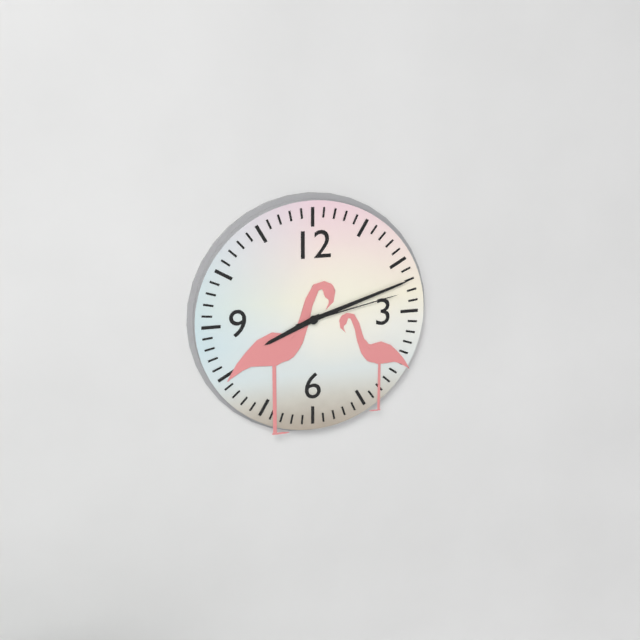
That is h=8 m=12 s=13
